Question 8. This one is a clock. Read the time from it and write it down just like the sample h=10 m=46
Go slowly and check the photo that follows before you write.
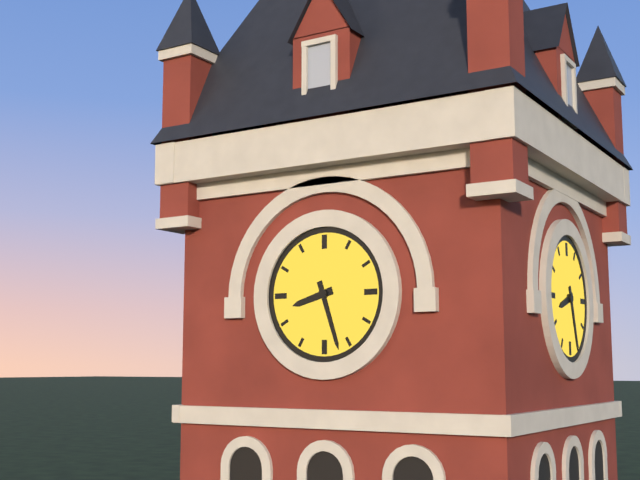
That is h=8 m=27
